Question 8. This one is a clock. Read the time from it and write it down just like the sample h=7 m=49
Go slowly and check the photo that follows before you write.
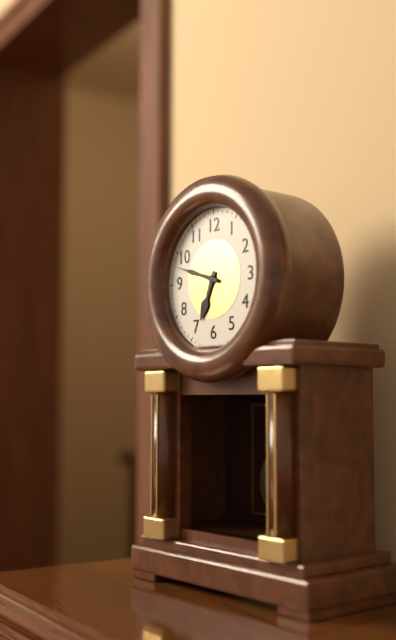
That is h=6 m=48
